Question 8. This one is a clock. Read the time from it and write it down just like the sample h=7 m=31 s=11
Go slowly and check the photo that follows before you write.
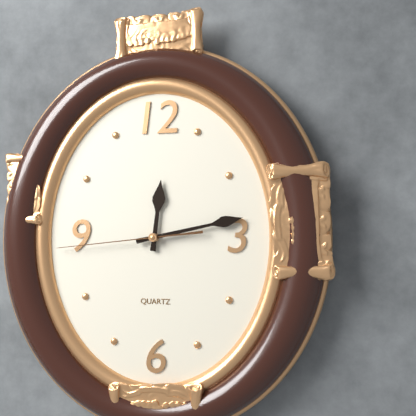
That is h=12 m=13 s=44
